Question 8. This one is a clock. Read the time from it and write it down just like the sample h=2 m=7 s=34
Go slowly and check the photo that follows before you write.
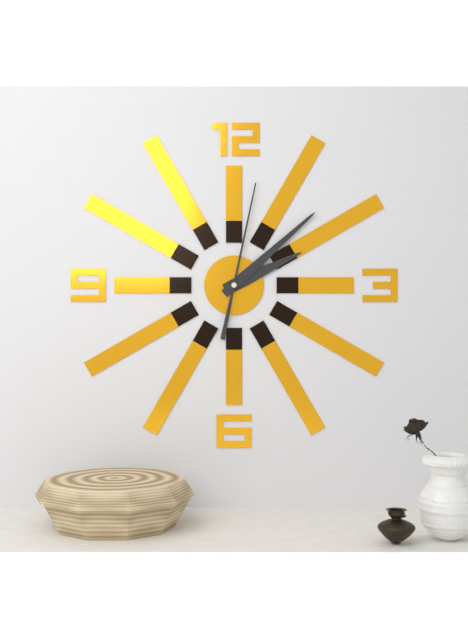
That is h=2 m=8 s=2
